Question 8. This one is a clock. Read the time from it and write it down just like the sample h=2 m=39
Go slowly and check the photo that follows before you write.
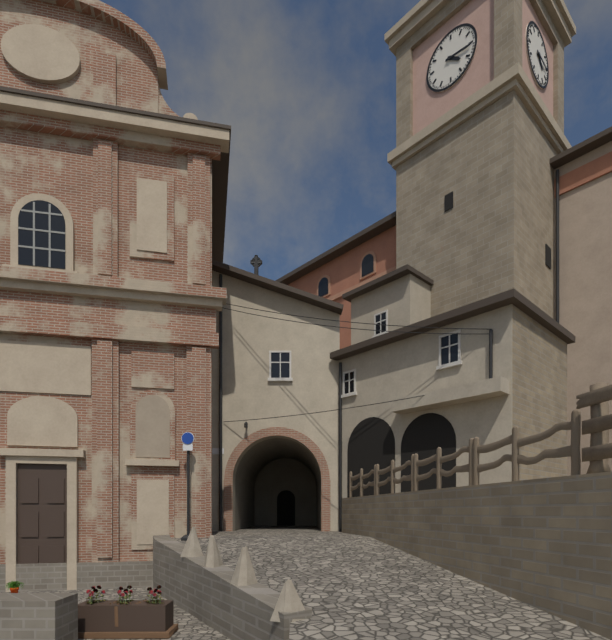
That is h=4 m=16
